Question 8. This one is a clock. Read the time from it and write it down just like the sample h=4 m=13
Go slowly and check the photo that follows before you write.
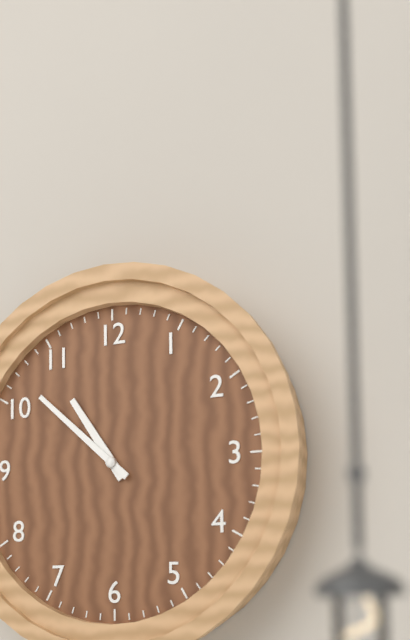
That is h=10 m=52
